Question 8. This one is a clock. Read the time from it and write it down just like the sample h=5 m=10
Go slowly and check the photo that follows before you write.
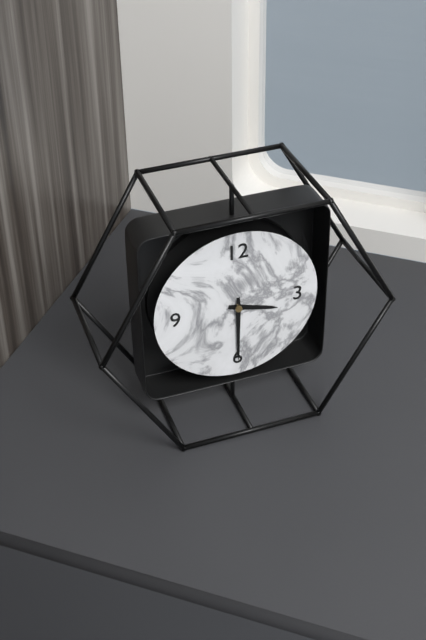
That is h=3 m=30
